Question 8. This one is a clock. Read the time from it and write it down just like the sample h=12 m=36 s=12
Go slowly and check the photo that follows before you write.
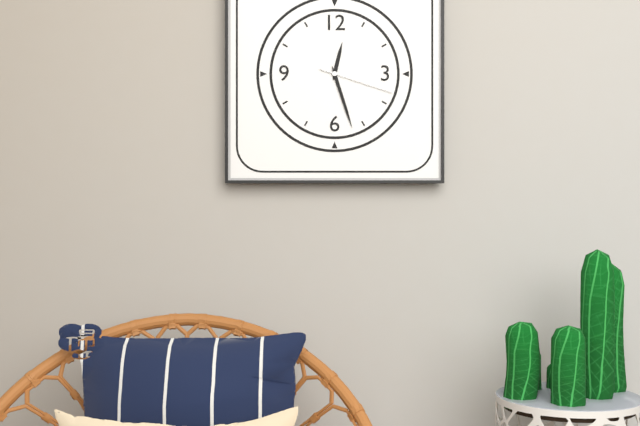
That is h=12 m=27 s=18
